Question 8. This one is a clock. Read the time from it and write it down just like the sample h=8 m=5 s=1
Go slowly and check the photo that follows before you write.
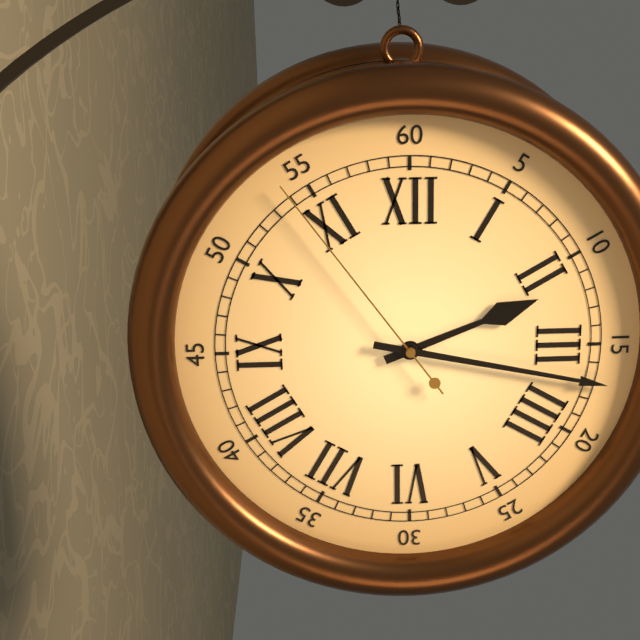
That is h=2 m=17 s=54
